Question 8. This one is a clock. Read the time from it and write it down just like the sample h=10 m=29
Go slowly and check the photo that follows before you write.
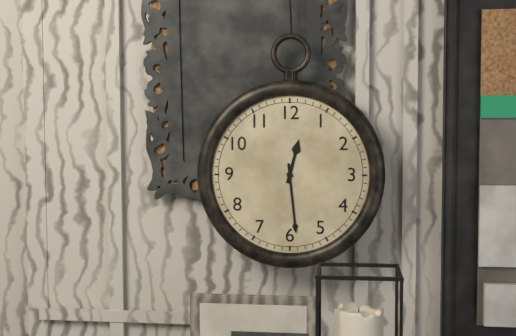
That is h=12 m=29
